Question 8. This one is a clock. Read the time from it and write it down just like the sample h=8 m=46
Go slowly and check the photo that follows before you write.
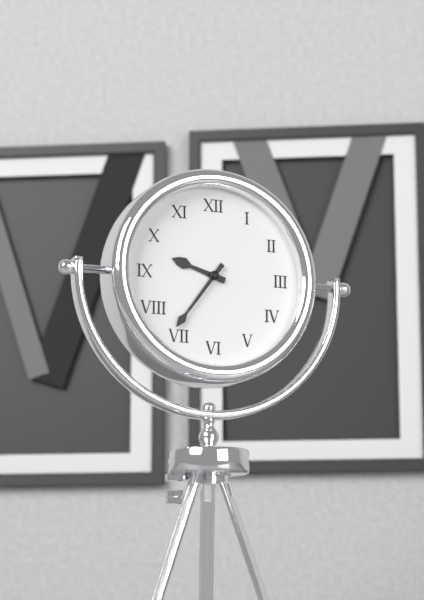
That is h=9 m=36
